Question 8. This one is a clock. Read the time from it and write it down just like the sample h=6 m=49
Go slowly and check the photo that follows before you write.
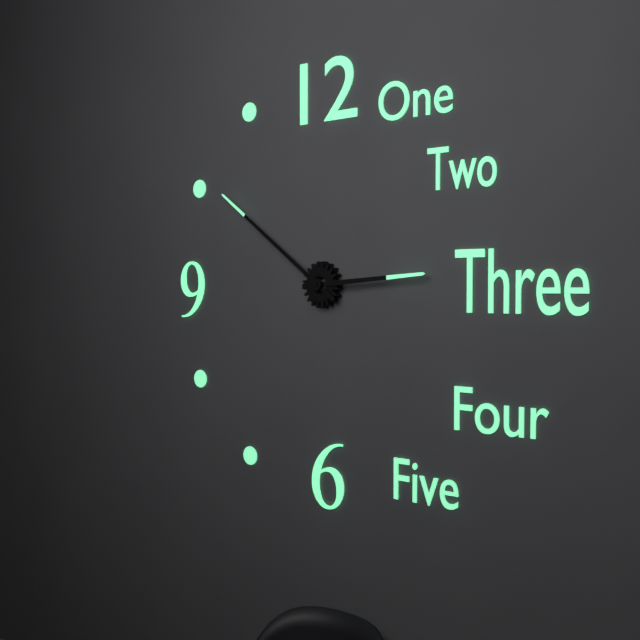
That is h=2 m=51
